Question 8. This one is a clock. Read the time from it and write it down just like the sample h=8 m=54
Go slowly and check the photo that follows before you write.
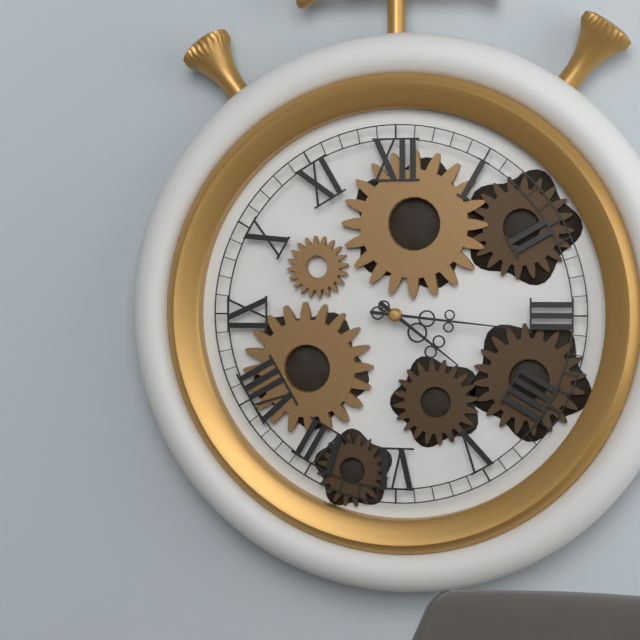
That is h=4 m=16
